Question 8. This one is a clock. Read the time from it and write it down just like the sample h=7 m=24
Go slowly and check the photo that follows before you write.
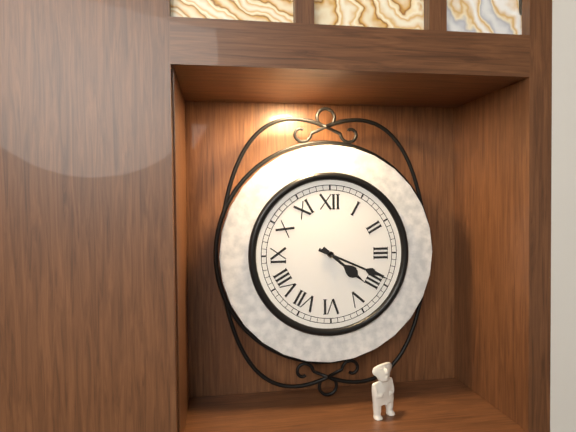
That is h=4 m=19
